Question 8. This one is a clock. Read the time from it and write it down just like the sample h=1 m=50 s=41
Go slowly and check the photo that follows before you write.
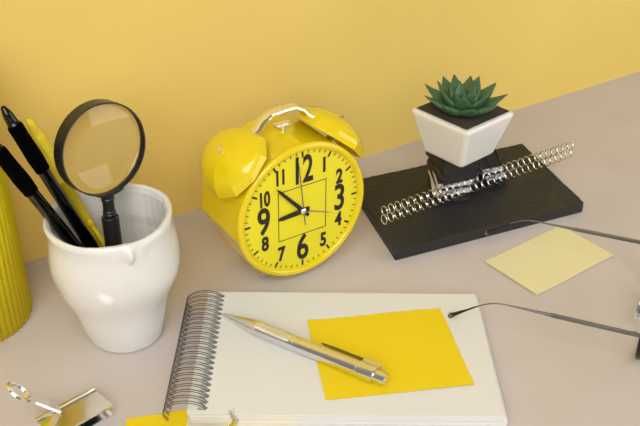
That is h=8 m=53 s=59
